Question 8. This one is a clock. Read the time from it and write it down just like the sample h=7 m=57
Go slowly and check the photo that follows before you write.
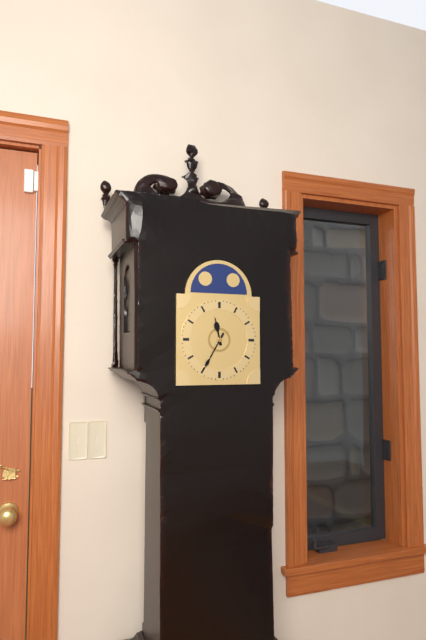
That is h=11 m=35
